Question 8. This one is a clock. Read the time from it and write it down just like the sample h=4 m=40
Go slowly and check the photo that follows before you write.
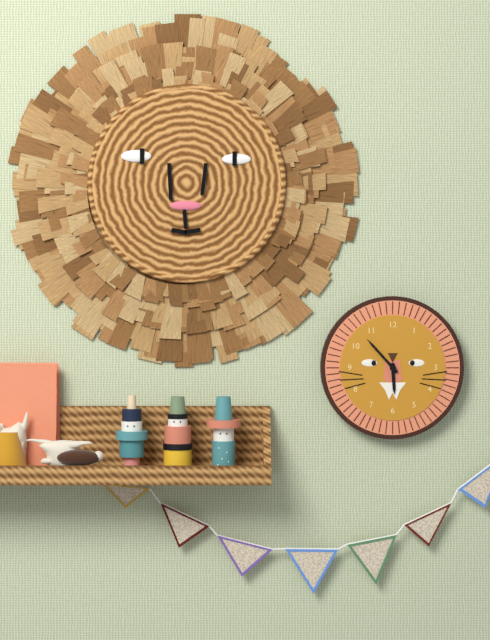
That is h=5 m=53
